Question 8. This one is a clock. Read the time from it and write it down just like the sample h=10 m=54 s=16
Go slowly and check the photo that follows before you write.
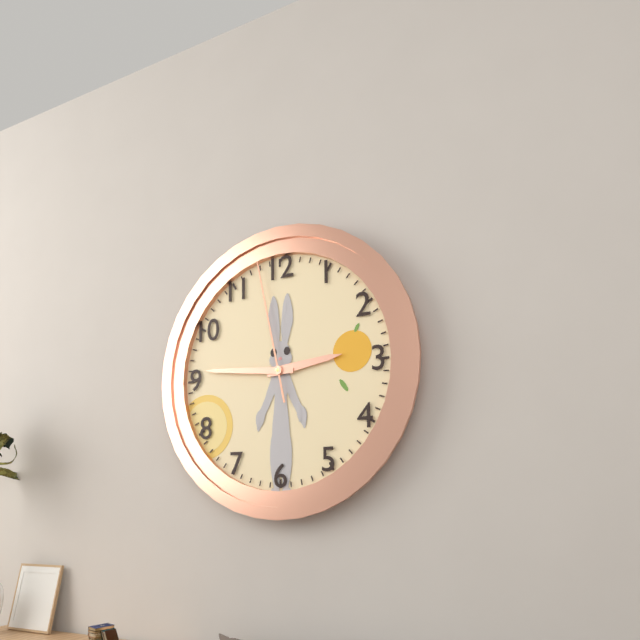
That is h=2 m=46 s=58
